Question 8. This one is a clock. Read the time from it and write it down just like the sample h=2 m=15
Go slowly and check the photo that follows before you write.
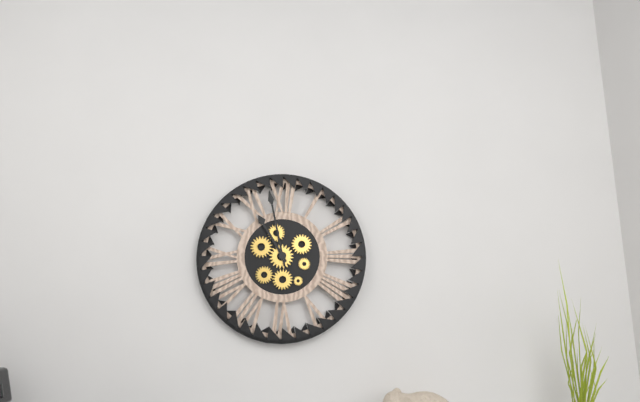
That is h=10 m=58
